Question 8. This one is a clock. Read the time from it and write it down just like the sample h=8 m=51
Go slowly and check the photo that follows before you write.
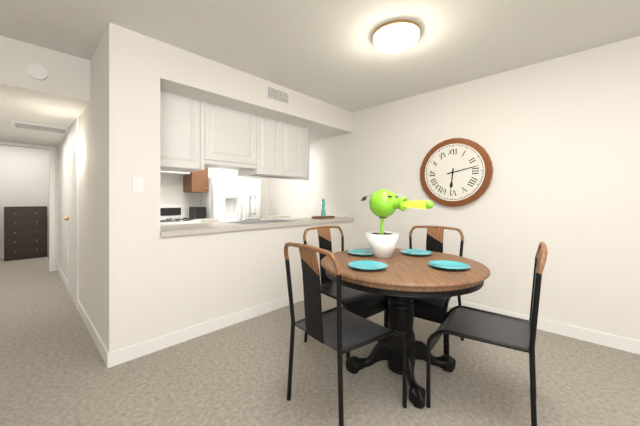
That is h=6 m=13
